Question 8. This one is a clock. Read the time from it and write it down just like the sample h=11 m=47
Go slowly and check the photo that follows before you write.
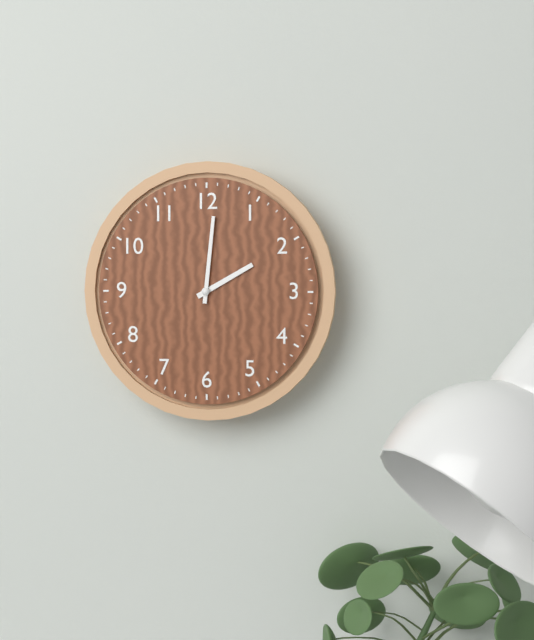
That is h=2 m=1
